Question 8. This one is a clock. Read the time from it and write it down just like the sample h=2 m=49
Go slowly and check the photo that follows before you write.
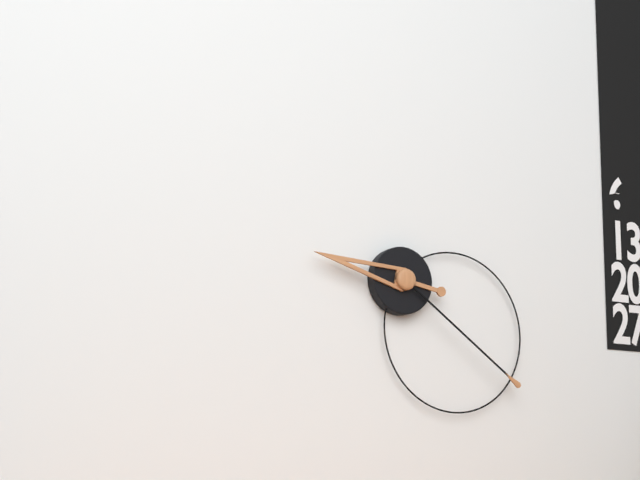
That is h=9 m=21
